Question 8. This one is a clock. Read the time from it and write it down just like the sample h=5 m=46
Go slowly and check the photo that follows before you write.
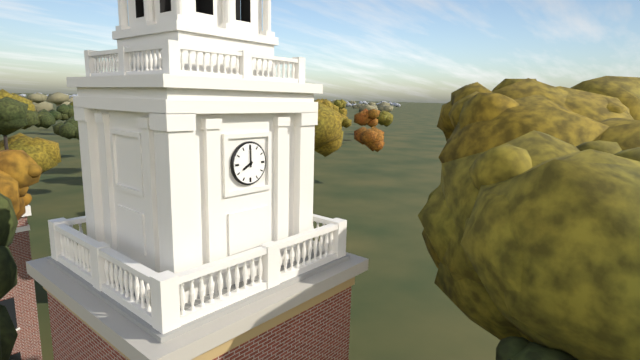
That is h=8 m=0
